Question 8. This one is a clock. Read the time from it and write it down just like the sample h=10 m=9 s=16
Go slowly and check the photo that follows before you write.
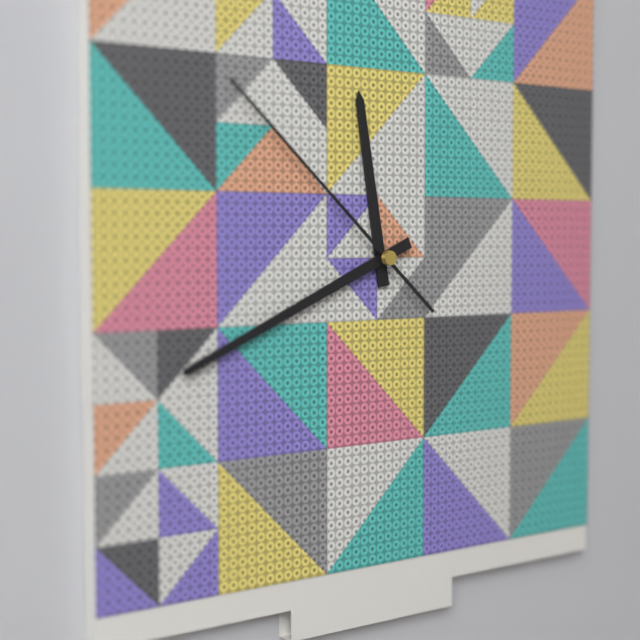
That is h=11 m=41 s=52
